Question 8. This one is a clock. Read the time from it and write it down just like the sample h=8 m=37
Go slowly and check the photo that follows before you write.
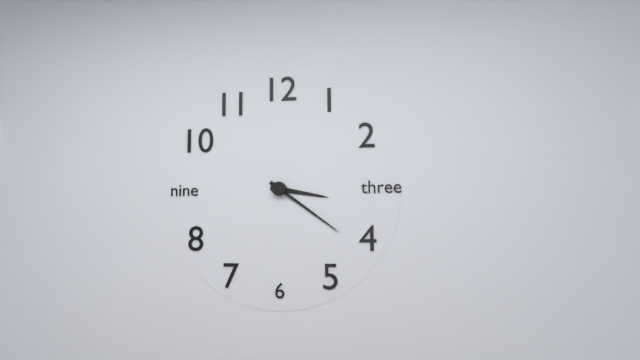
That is h=3 m=21
